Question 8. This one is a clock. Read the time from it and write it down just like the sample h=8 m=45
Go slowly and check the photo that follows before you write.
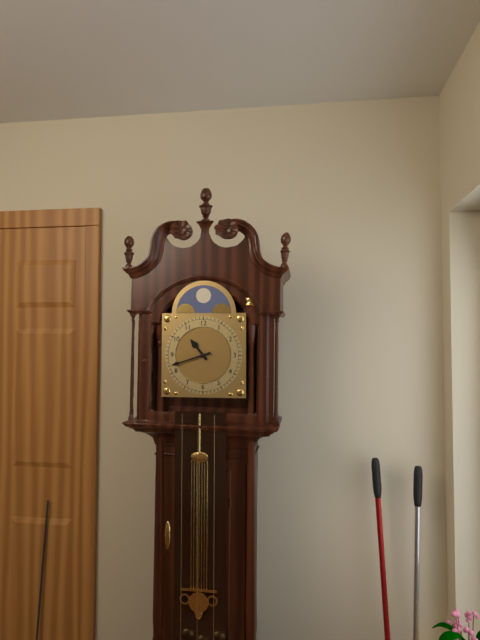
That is h=10 m=42
